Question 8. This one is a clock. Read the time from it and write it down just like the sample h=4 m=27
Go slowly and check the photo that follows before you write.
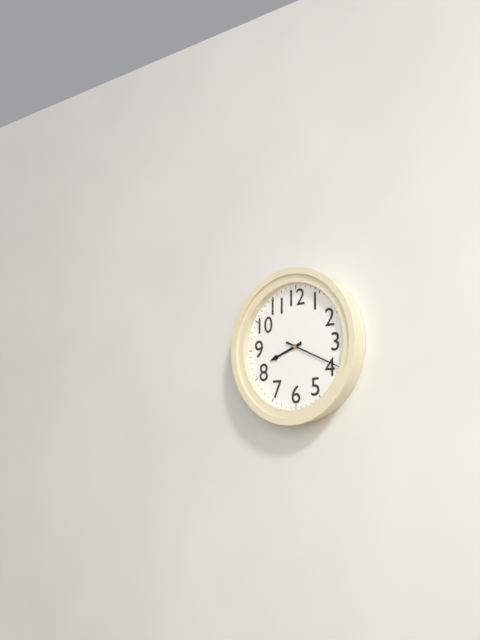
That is h=8 m=19
